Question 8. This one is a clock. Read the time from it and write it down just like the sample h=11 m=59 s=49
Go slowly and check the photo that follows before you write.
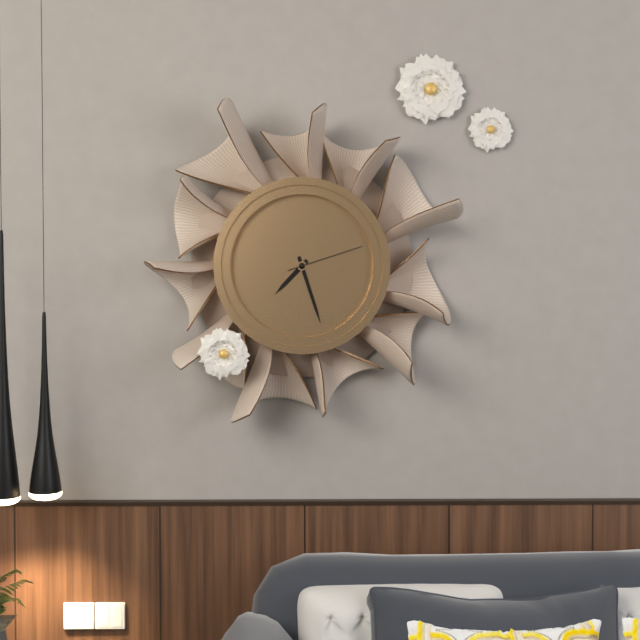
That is h=7 m=27 s=12
